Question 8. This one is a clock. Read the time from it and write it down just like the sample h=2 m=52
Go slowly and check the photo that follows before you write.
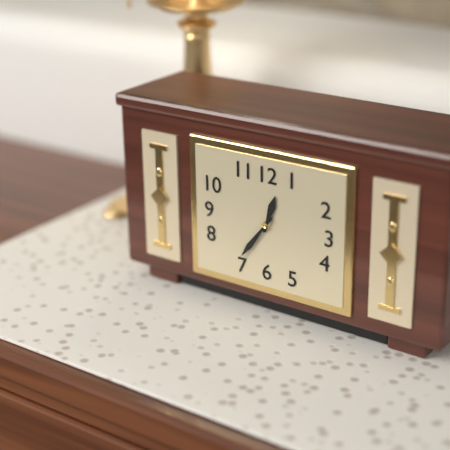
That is h=12 m=36
